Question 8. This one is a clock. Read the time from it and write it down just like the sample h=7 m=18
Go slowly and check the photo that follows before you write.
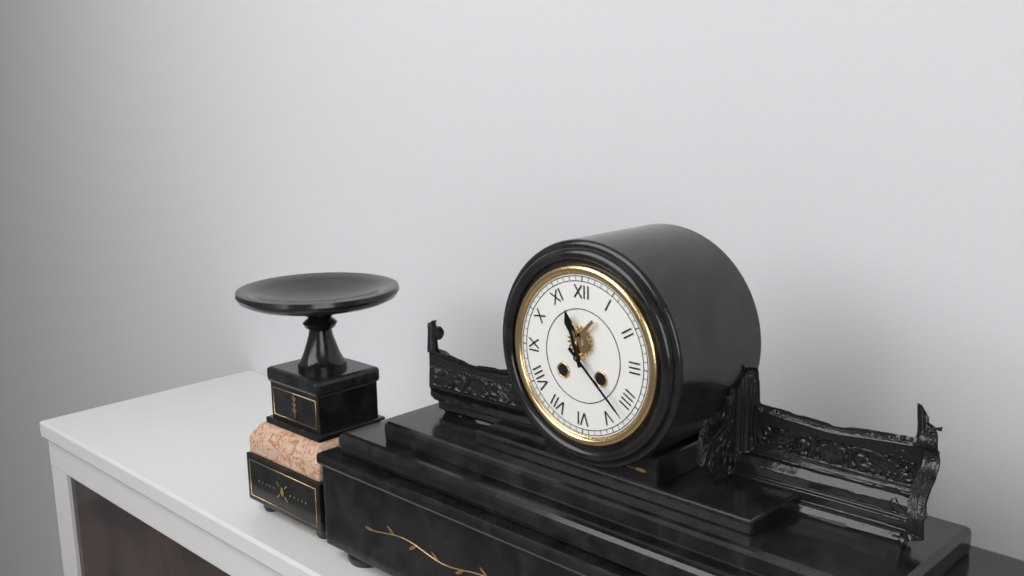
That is h=11 m=22
